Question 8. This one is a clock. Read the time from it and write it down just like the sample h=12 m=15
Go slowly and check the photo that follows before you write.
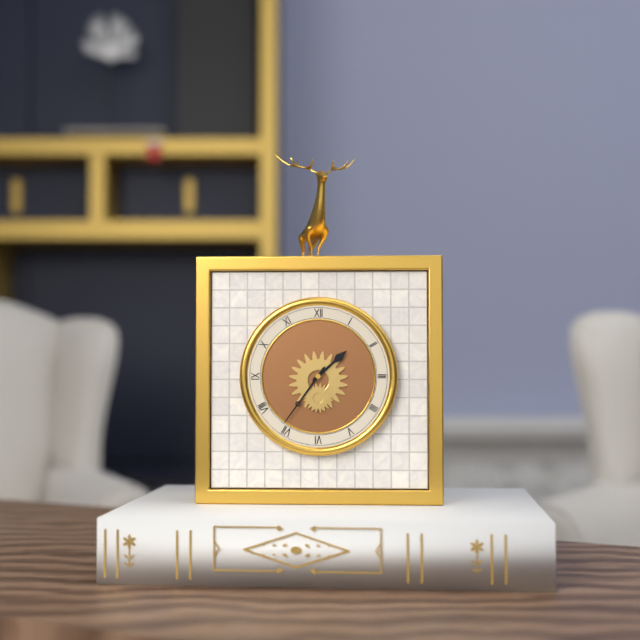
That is h=1 m=36
